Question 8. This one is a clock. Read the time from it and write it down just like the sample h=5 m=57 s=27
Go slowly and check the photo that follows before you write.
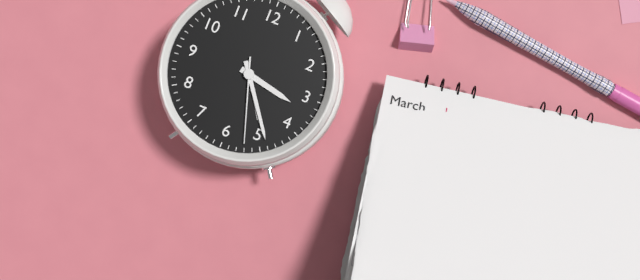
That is h=3 m=24 s=27
